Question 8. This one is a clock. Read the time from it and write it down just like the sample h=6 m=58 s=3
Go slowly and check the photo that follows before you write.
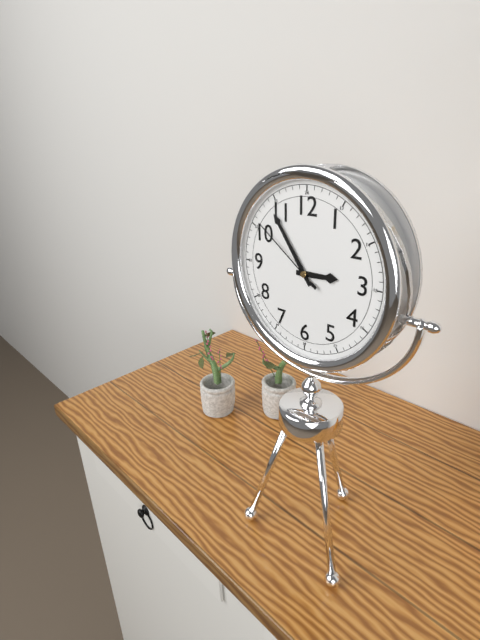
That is h=2 m=54 s=51
